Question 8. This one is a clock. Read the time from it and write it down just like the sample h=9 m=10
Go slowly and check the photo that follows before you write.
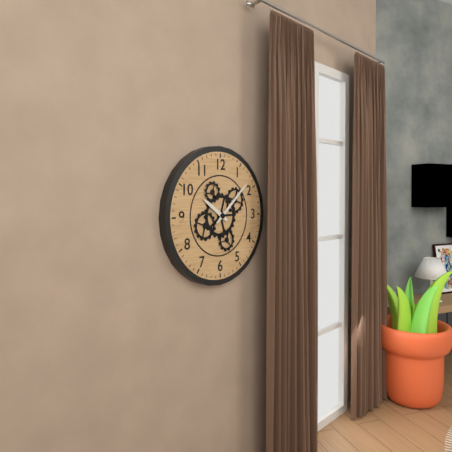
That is h=10 m=8
